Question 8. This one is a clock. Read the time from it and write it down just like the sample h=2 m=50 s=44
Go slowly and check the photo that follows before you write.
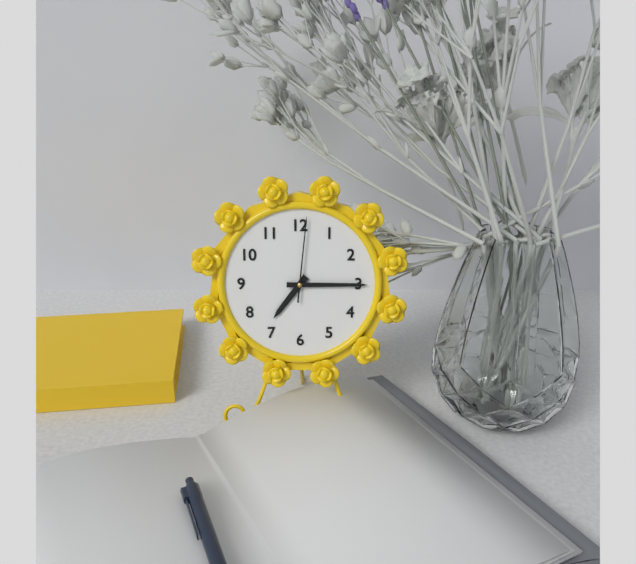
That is h=7 m=15 s=1
